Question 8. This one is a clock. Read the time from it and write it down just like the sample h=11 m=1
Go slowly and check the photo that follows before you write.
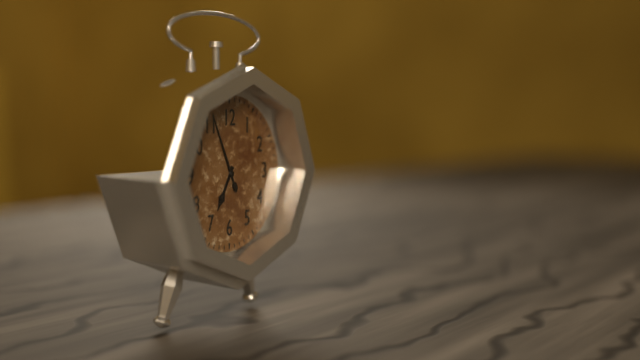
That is h=6 m=56
